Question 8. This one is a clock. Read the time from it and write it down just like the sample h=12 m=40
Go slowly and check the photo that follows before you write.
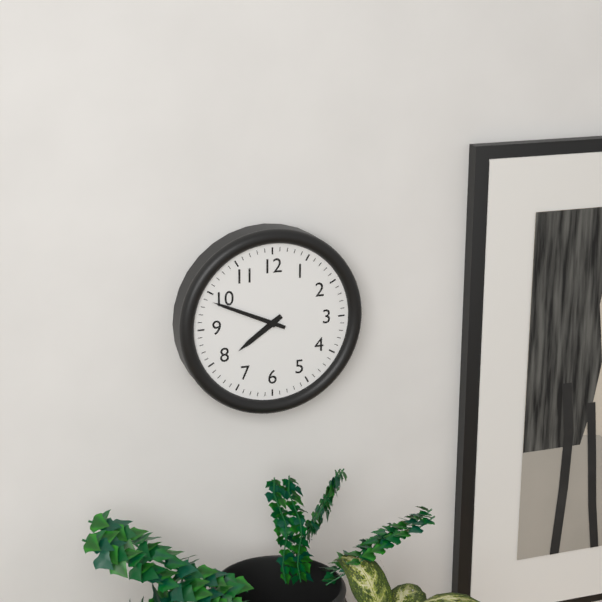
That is h=7 m=49
